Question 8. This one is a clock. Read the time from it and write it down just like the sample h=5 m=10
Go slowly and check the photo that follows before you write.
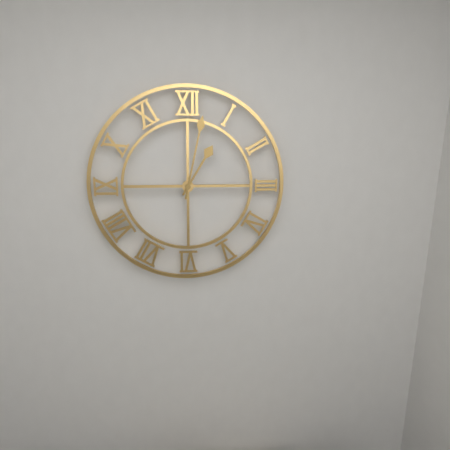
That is h=1 m=2
